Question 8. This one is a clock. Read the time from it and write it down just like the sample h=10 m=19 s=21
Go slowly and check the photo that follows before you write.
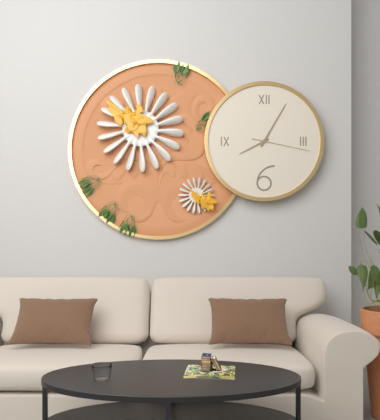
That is h=8 m=5 s=17
